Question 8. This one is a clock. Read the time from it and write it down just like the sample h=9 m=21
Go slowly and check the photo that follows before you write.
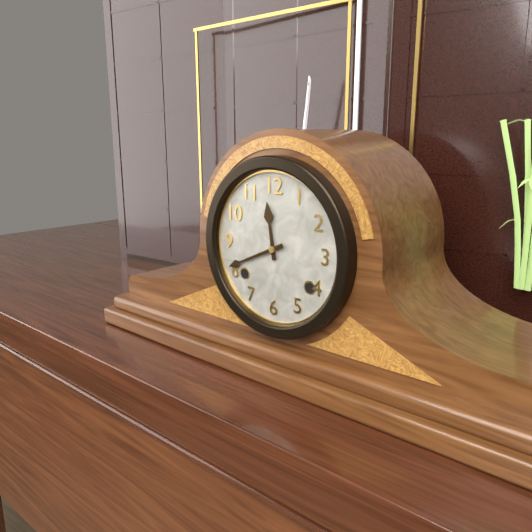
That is h=11 m=41
